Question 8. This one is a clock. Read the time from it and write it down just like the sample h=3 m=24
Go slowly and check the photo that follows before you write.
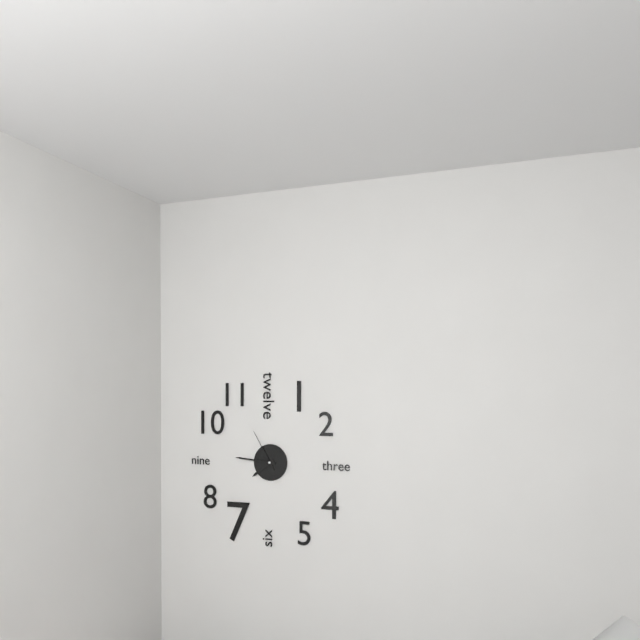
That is h=7 m=46
